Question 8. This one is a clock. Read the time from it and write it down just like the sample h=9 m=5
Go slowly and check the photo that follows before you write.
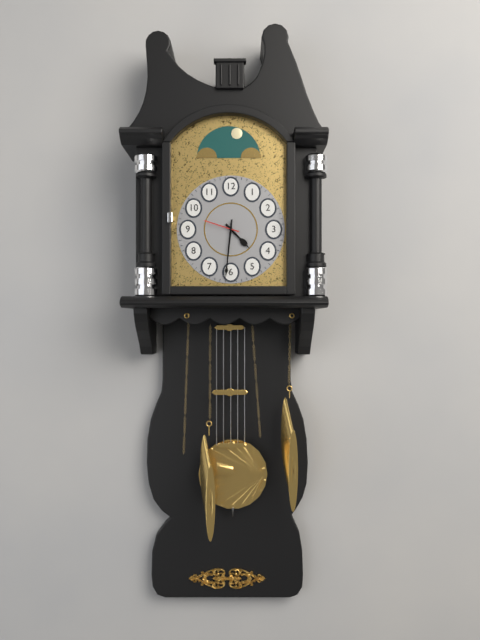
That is h=4 m=31
